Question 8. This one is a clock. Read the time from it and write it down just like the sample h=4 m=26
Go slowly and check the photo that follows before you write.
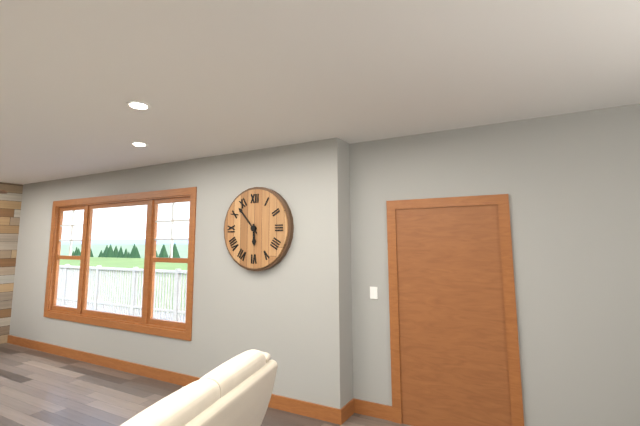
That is h=5 m=53
